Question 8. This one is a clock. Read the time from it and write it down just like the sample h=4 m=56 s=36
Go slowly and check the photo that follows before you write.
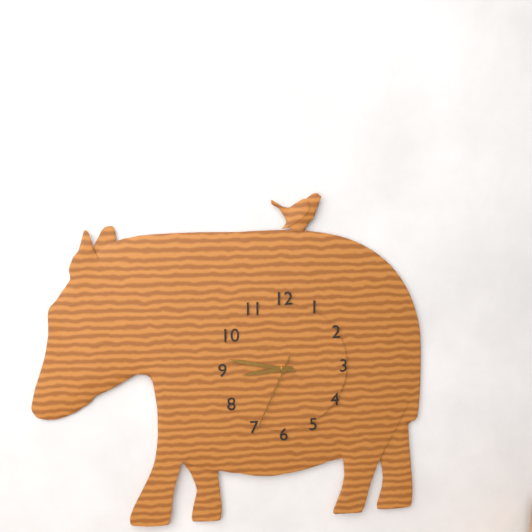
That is h=8 m=47 s=34
